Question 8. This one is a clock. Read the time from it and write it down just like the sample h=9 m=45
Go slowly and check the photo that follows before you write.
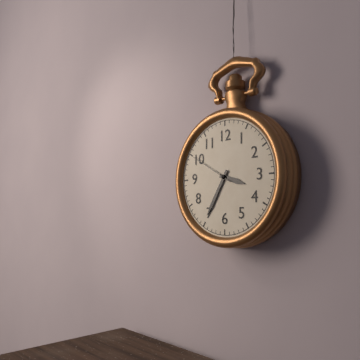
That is h=3 m=35
